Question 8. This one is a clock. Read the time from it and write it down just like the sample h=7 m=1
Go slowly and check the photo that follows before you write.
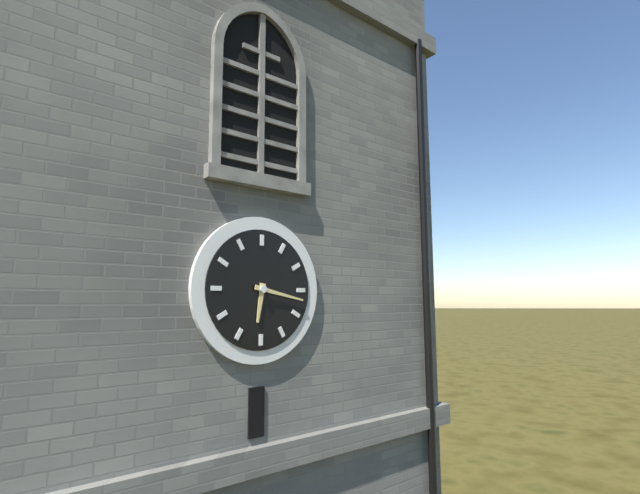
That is h=6 m=17
